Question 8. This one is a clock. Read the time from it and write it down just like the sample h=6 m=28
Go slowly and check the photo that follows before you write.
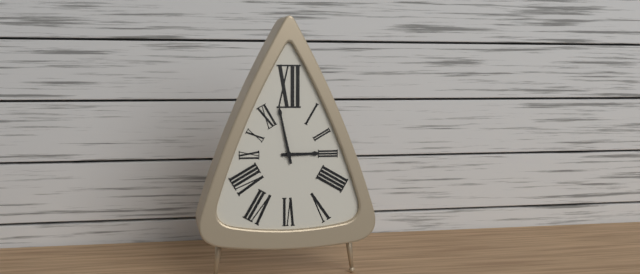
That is h=2 m=58
